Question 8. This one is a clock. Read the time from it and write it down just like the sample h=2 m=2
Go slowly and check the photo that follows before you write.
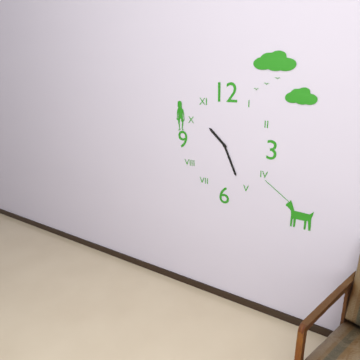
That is h=10 m=26
